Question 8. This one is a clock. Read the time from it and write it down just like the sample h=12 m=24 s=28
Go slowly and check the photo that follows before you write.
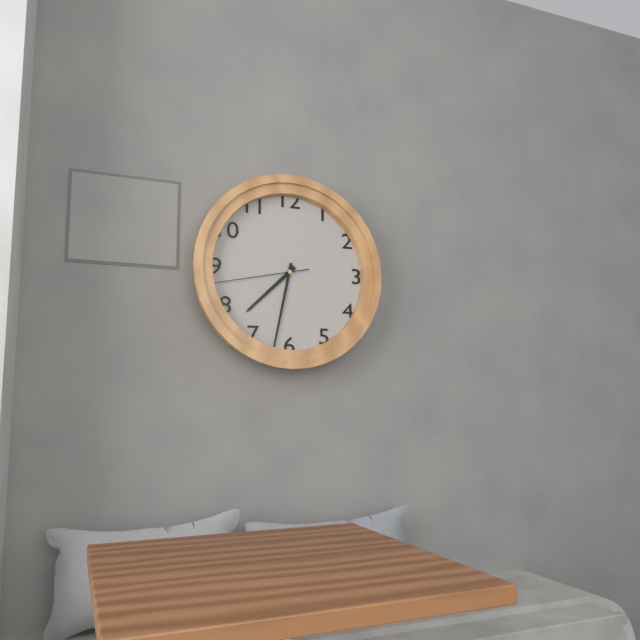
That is h=7 m=32 s=43
